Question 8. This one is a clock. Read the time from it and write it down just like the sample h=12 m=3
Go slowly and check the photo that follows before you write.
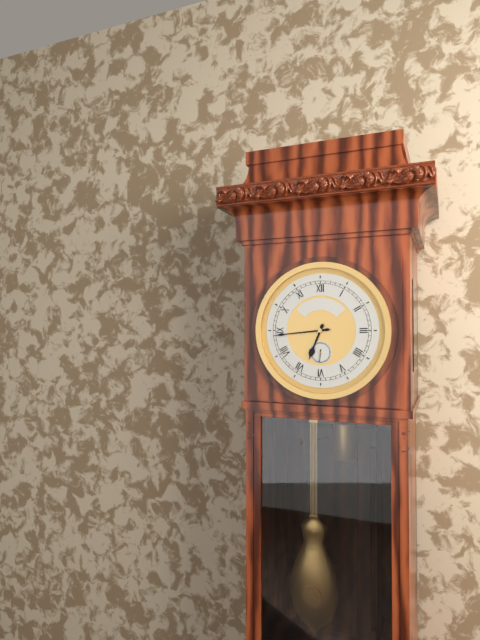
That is h=6 m=44
